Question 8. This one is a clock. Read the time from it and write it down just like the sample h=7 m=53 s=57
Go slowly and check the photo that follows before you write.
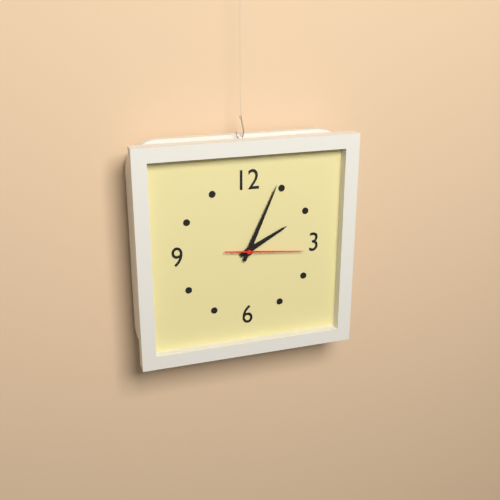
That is h=2 m=4 s=16
